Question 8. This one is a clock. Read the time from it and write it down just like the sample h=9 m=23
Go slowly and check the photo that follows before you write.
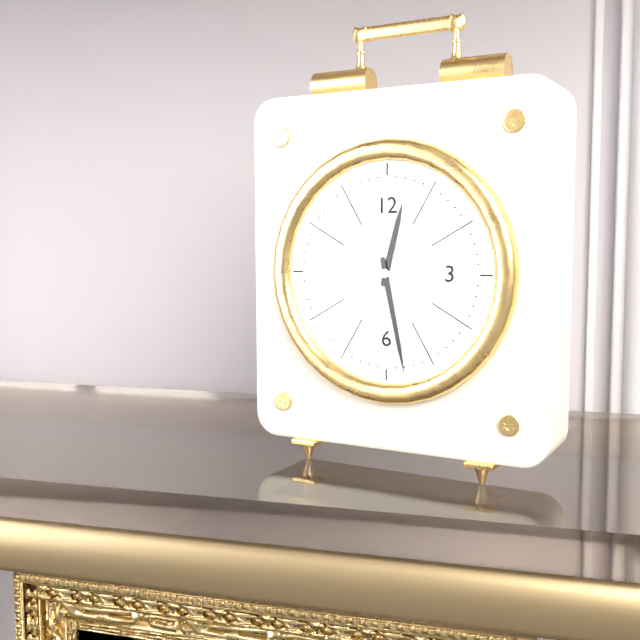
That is h=12 m=28
